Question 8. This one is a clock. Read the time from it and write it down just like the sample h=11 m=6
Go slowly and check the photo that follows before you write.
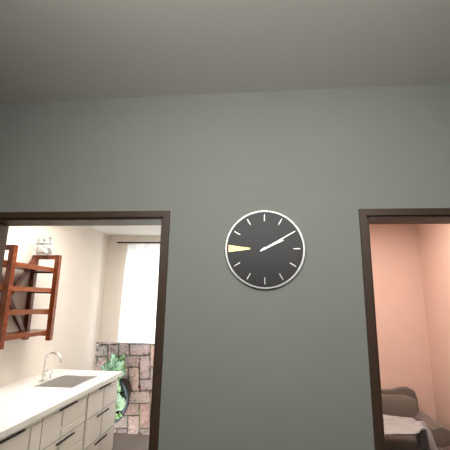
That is h=2 m=10
